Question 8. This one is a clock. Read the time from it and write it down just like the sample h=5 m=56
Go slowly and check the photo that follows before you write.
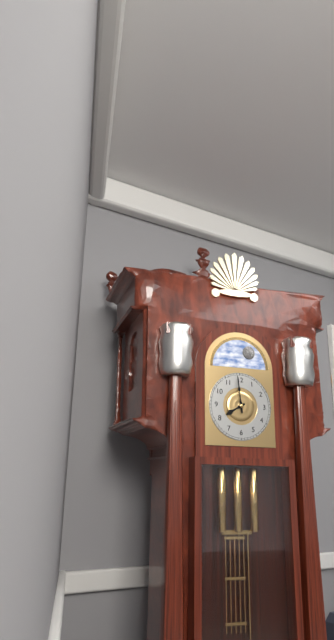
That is h=7 m=59
